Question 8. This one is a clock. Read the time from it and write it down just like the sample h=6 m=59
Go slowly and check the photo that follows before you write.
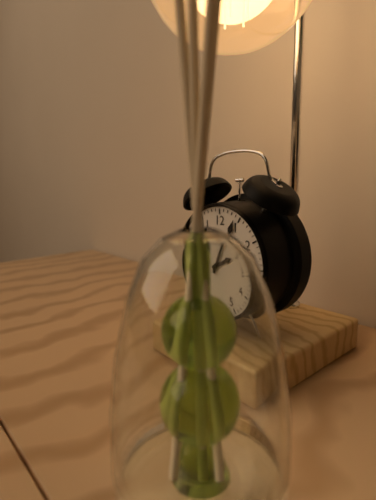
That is h=2 m=4
